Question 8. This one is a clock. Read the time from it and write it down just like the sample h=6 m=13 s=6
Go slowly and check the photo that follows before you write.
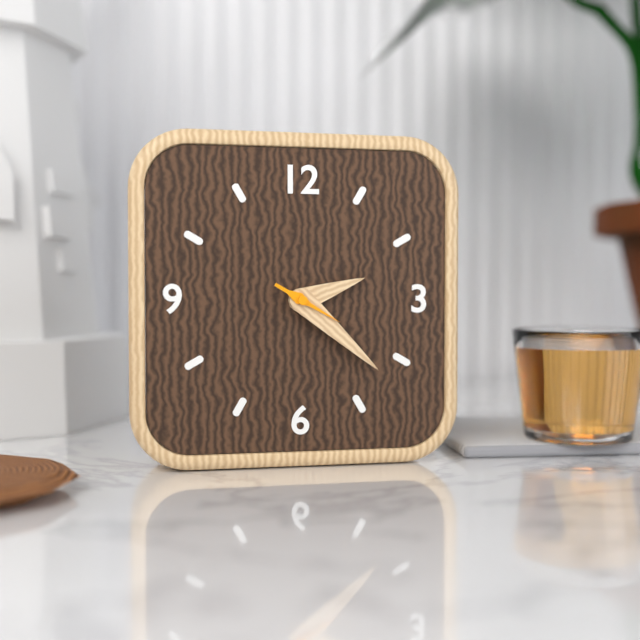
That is h=2 m=22 s=20
